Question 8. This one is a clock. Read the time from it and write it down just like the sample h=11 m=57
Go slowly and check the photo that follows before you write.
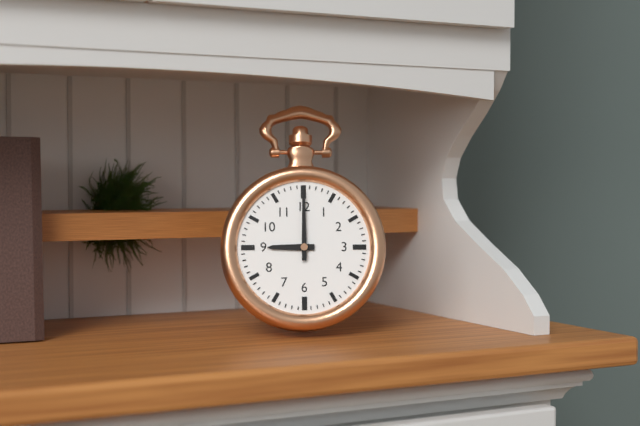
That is h=9 m=0
